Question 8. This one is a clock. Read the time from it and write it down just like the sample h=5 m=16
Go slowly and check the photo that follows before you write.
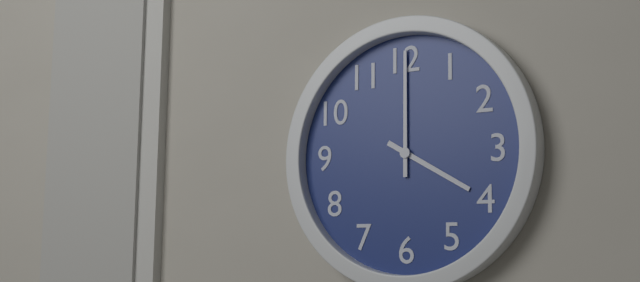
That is h=4 m=0
